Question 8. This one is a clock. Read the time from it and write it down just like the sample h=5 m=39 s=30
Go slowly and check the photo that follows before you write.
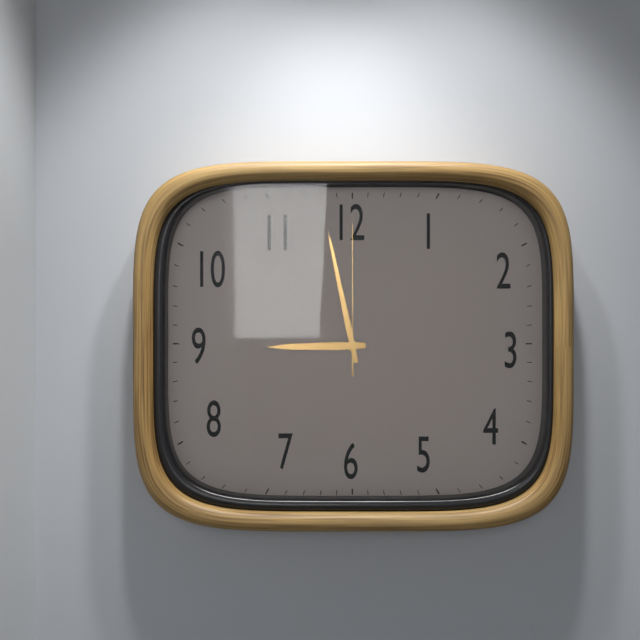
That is h=8 m=58 s=0
